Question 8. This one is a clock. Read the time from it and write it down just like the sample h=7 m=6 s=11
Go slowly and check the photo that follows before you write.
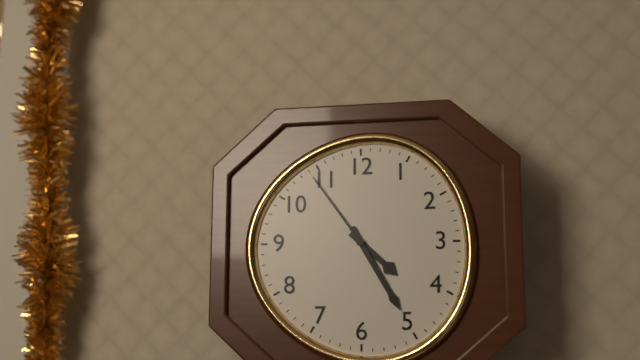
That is h=4 m=25 s=54
